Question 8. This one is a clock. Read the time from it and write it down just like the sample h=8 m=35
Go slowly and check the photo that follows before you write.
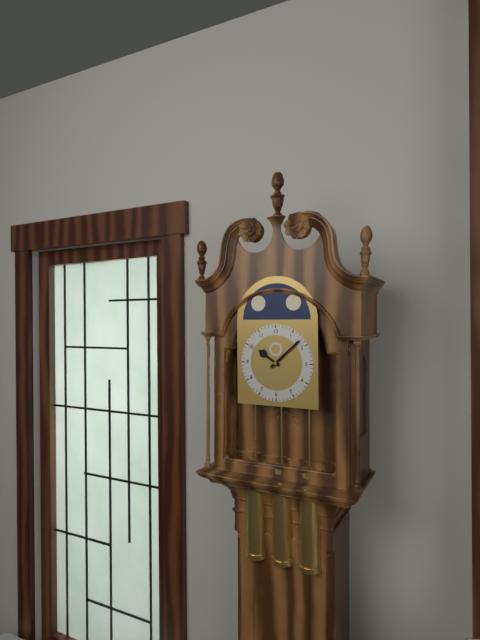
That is h=10 m=8
